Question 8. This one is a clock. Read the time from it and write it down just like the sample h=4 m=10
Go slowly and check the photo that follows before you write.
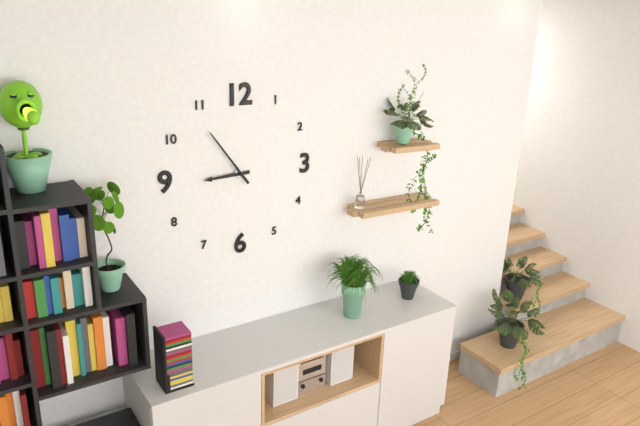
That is h=8 m=54
